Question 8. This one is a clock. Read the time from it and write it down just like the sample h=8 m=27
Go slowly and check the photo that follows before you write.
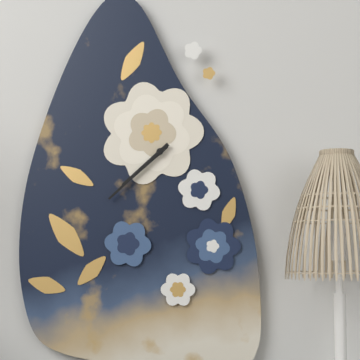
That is h=7 m=38
